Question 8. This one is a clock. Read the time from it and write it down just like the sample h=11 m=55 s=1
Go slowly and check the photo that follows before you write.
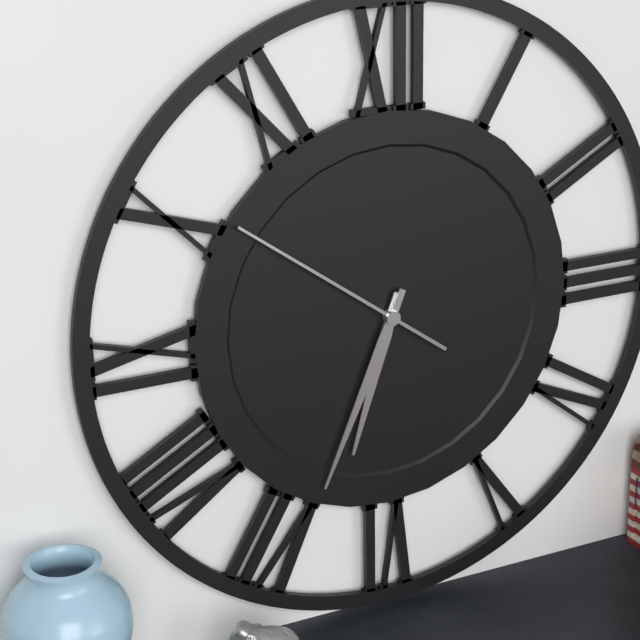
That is h=6 m=34 s=51
